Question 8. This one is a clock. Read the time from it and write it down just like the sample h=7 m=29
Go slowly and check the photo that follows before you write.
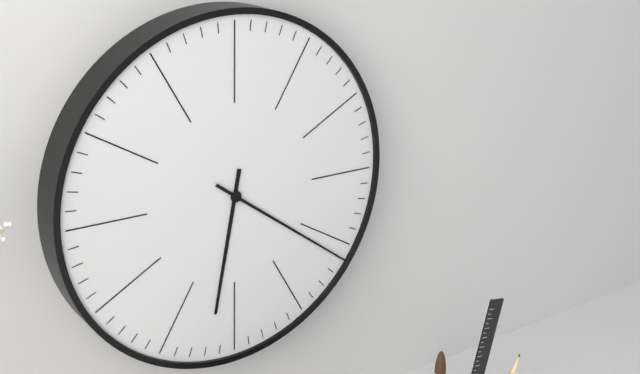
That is h=6 m=21
